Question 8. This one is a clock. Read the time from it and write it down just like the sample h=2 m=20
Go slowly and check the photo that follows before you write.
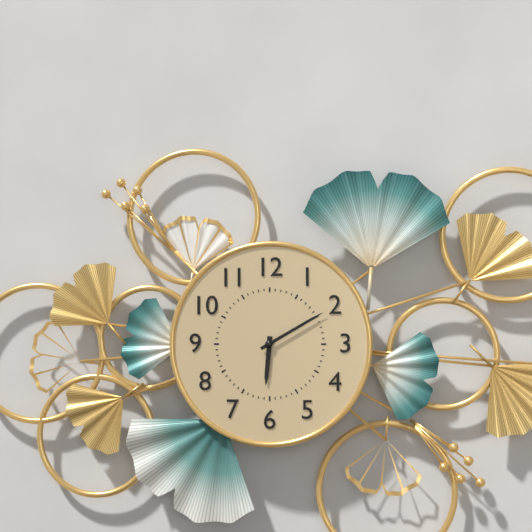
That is h=6 m=10
